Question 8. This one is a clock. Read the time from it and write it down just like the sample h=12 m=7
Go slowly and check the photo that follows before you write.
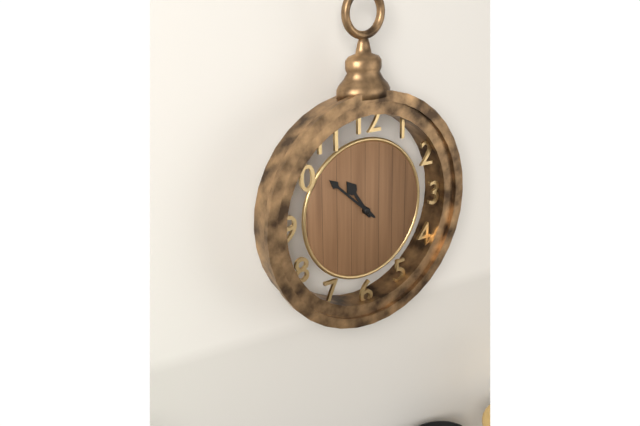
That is h=10 m=52
